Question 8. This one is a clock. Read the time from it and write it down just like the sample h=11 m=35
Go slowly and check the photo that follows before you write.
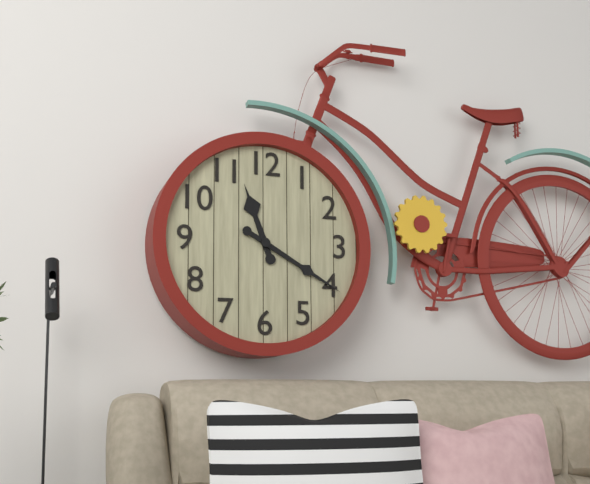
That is h=11 m=20
